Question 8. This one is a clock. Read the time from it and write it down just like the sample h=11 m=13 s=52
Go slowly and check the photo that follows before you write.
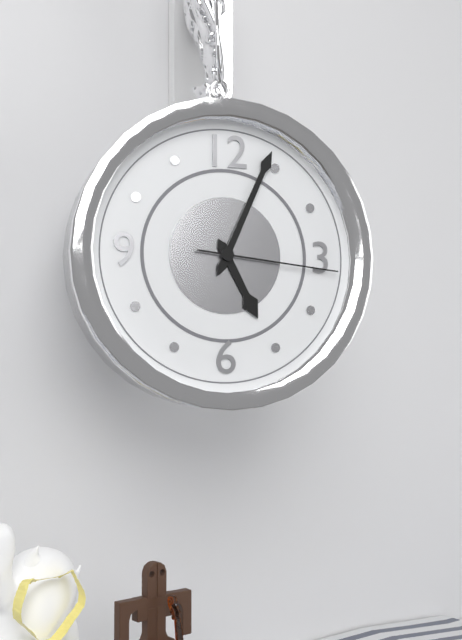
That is h=5 m=4 s=16
